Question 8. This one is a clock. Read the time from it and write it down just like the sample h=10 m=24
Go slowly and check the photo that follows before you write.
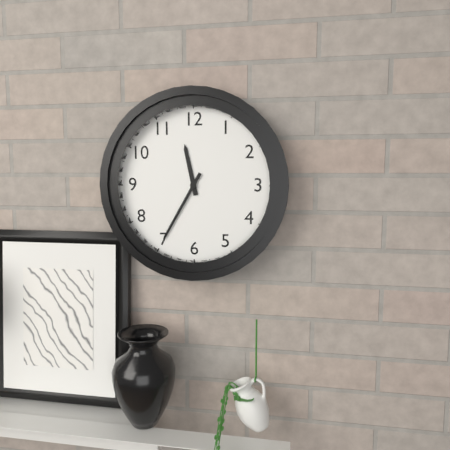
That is h=11 m=35
